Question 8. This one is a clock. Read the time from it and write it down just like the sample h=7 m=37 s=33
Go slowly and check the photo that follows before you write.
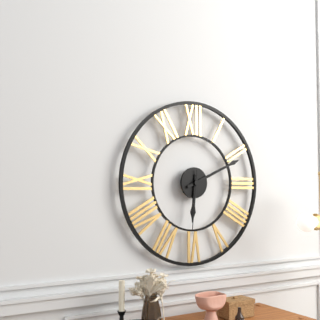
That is h=6 m=11 s=31
